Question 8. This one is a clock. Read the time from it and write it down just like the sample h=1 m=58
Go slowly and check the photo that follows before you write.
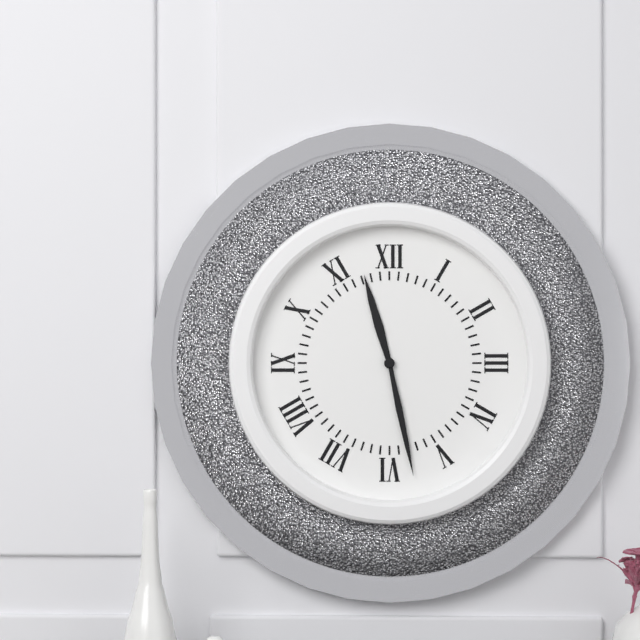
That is h=11 m=28
